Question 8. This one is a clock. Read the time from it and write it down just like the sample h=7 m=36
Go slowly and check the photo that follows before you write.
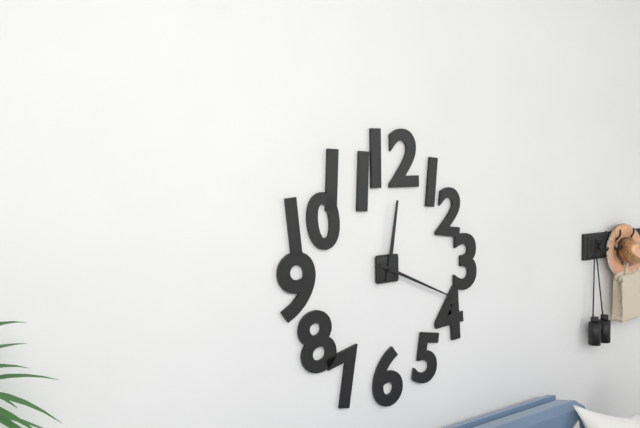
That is h=12 m=19
